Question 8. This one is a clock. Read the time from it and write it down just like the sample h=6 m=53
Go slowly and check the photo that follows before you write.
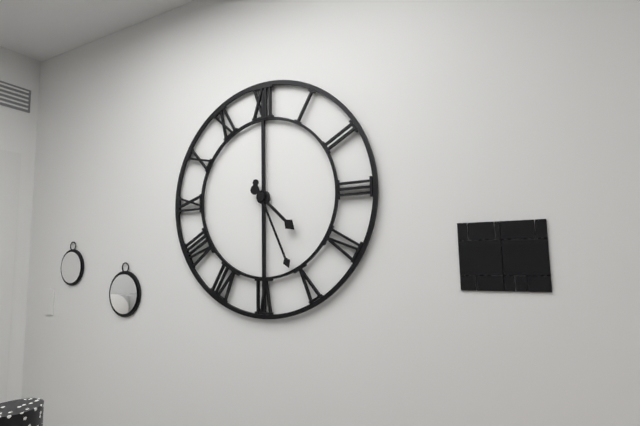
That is h=4 m=26
